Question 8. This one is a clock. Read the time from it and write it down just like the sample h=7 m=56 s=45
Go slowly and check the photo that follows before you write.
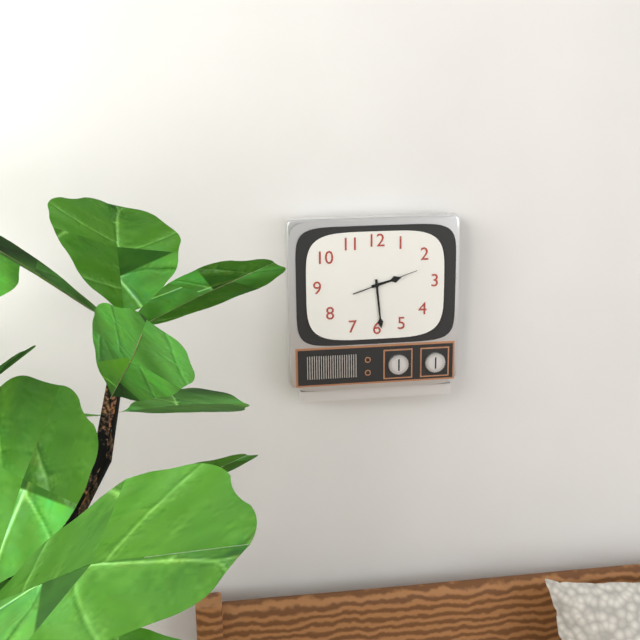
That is h=2 m=29 s=12
